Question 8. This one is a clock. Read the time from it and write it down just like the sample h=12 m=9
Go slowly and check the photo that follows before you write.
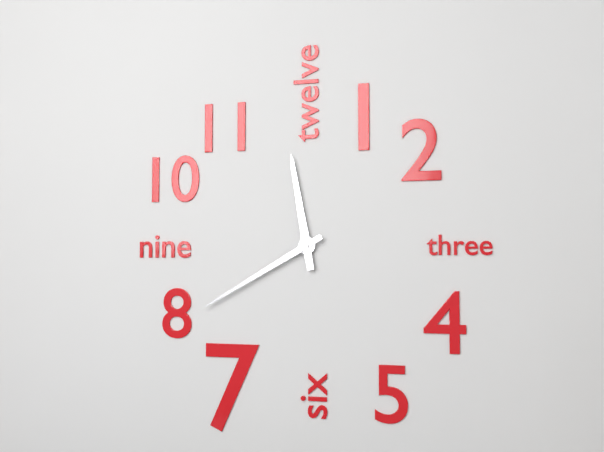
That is h=11 m=40
